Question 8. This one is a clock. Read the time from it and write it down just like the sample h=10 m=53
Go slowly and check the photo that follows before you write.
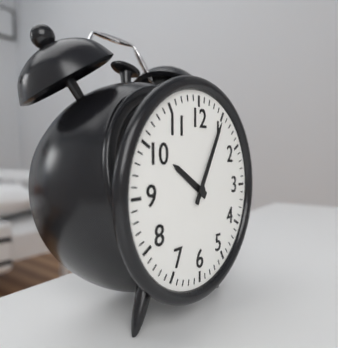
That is h=10 m=5
